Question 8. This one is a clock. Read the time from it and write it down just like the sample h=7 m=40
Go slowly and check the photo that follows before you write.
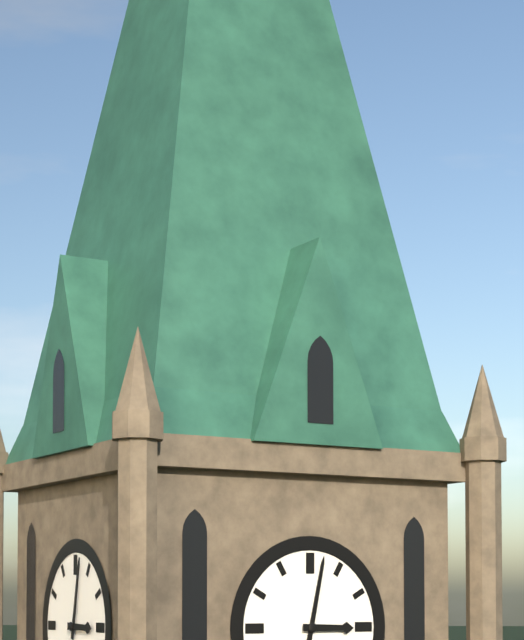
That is h=3 m=2
